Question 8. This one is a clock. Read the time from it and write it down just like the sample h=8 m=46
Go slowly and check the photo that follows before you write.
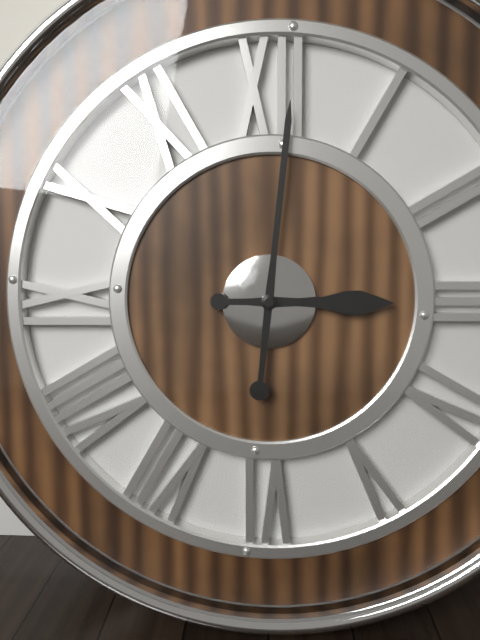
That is h=3 m=1
